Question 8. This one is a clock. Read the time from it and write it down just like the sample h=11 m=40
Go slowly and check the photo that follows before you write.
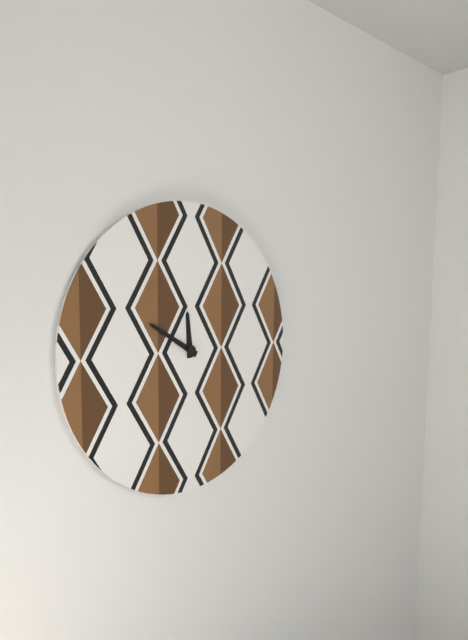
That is h=11 m=50
